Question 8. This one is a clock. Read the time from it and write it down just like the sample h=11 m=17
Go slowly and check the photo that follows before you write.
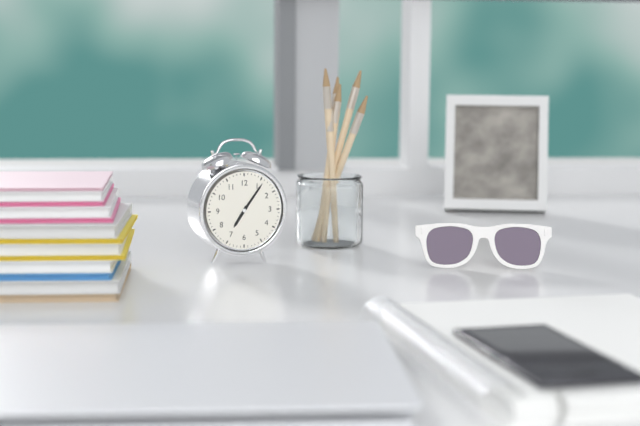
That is h=7 m=6
